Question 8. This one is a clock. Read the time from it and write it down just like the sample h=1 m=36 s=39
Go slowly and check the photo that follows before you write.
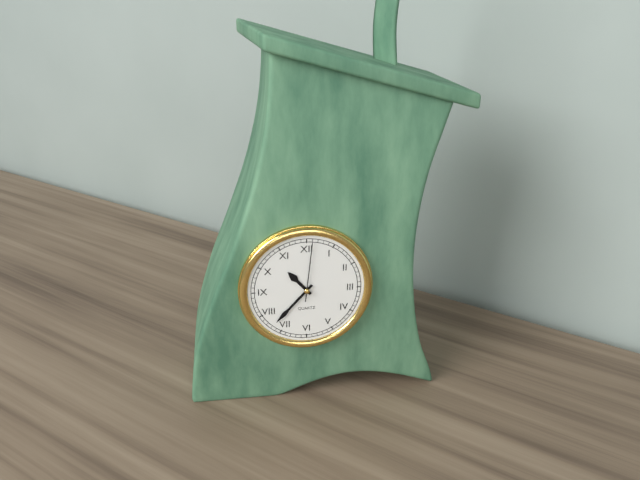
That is h=10 m=37 s=1
